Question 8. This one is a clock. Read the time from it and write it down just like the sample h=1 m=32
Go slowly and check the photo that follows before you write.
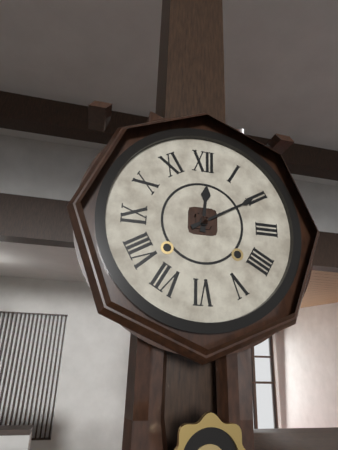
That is h=12 m=10
